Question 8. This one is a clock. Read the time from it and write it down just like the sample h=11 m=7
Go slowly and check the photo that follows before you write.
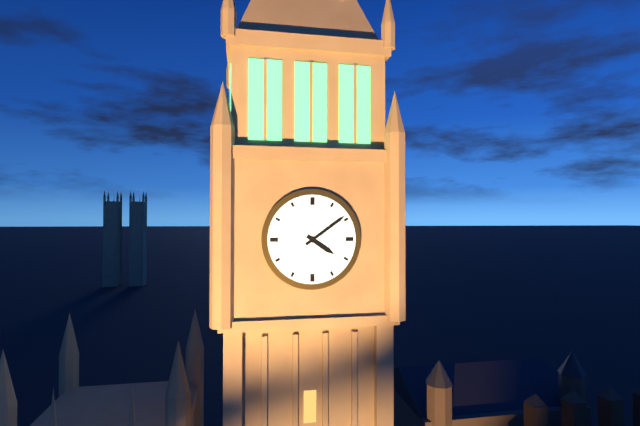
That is h=4 m=9
